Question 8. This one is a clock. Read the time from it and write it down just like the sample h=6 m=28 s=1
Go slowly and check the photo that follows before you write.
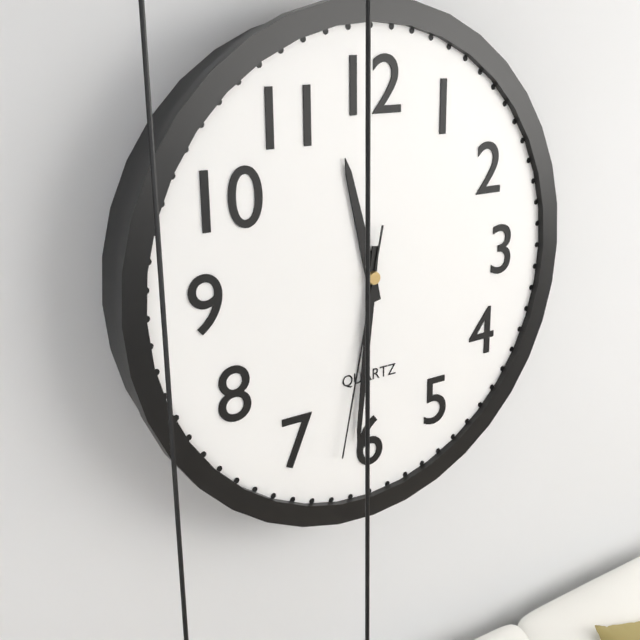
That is h=11 m=31 s=32
